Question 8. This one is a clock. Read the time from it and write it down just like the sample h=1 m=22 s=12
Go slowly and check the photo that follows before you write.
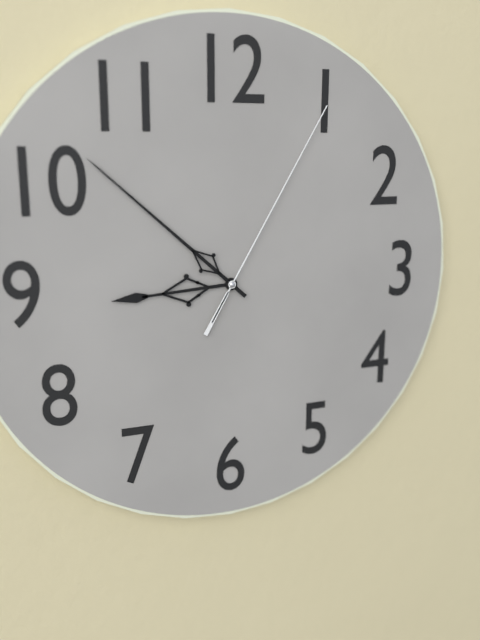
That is h=8 m=52 s=5
